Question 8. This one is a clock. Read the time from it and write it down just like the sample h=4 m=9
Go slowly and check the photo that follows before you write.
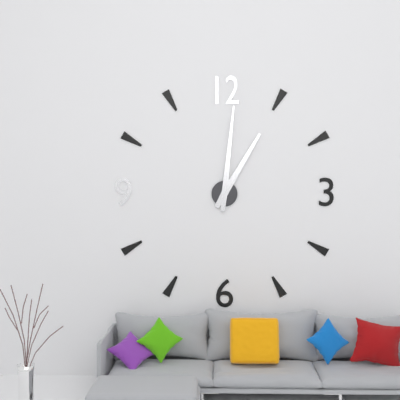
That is h=1 m=1
